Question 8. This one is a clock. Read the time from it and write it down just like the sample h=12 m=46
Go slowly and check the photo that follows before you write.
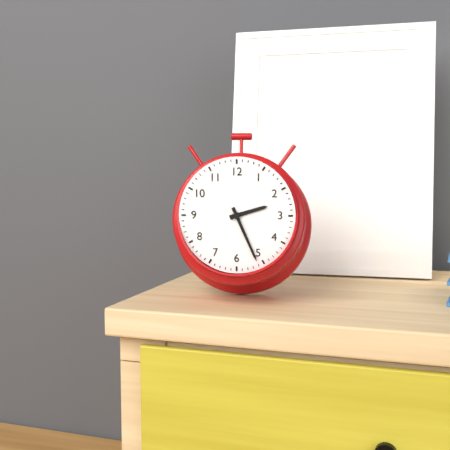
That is h=2 m=26
